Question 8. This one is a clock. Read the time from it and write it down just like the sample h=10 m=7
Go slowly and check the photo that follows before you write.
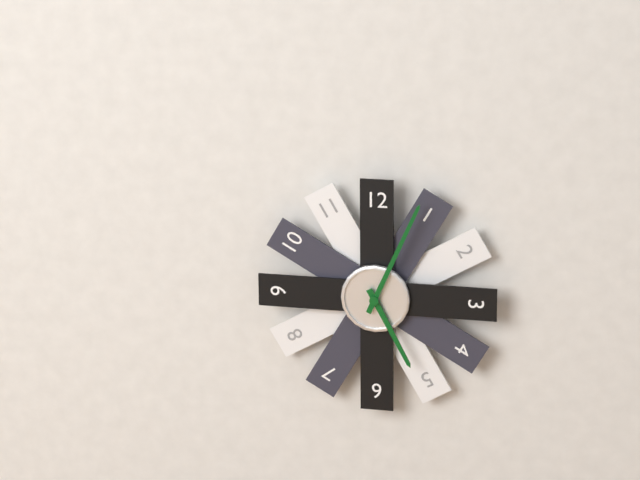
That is h=5 m=4
